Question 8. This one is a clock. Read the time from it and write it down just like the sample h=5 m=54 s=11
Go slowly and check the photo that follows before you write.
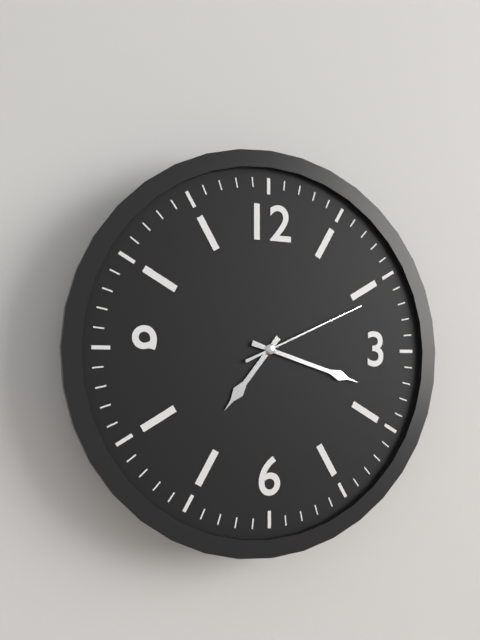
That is h=7 m=18 s=11
